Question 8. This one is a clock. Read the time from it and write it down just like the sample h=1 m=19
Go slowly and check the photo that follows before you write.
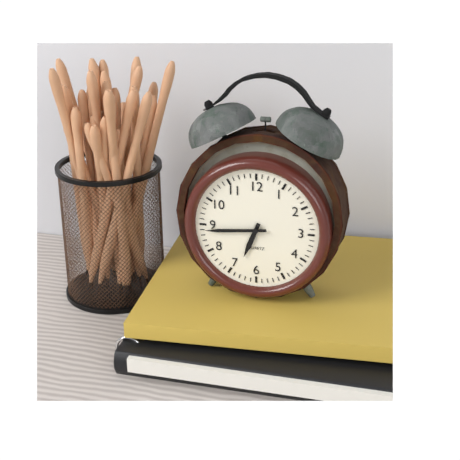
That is h=6 m=44
